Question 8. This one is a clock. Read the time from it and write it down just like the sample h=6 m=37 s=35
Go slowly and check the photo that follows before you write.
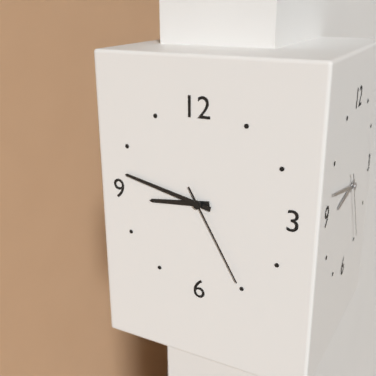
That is h=8 m=47 s=25
